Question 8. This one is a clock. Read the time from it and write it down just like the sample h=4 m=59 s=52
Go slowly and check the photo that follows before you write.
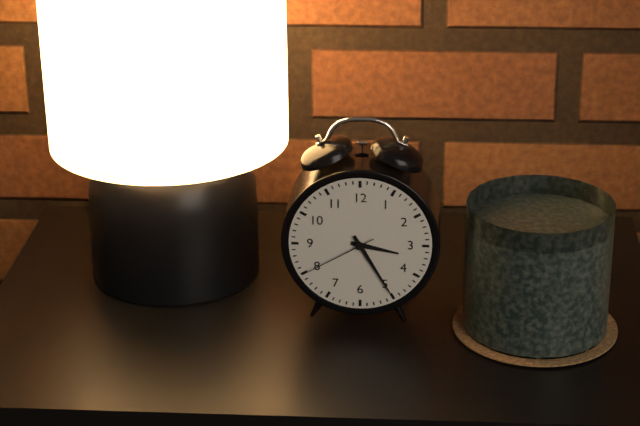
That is h=3 m=25 s=40
